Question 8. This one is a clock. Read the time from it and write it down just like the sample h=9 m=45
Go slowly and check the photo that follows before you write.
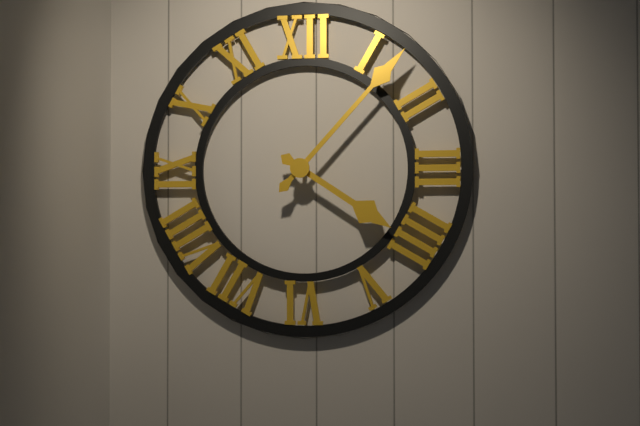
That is h=4 m=7
